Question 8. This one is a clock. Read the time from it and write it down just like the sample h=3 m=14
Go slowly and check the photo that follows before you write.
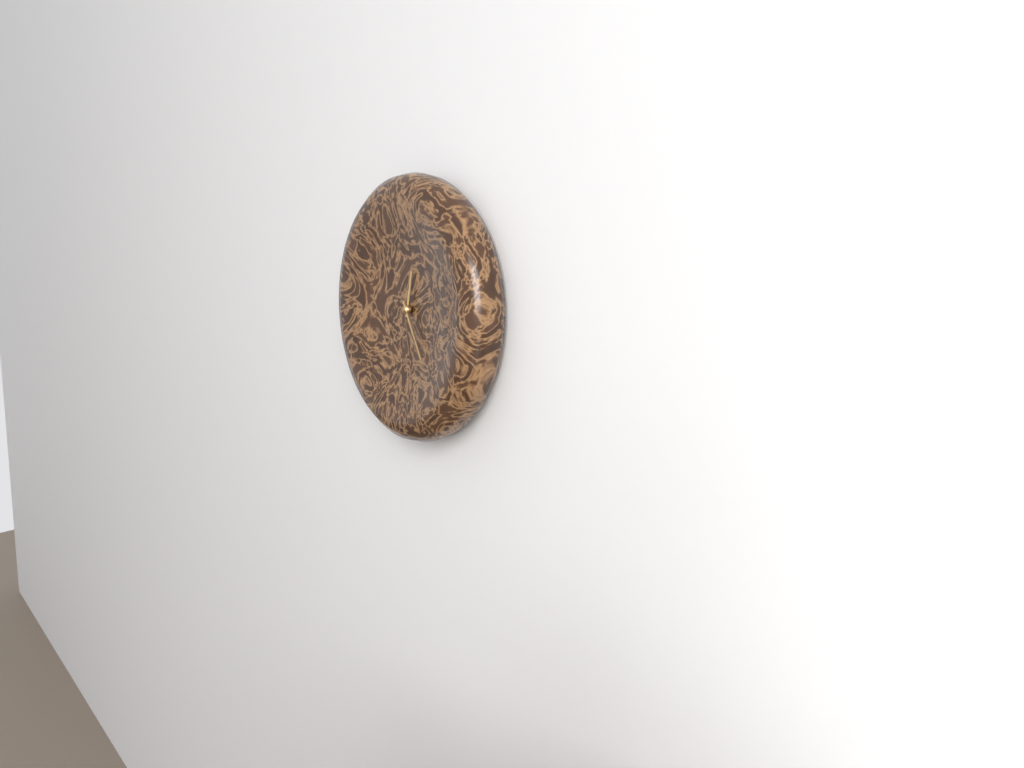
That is h=12 m=25
